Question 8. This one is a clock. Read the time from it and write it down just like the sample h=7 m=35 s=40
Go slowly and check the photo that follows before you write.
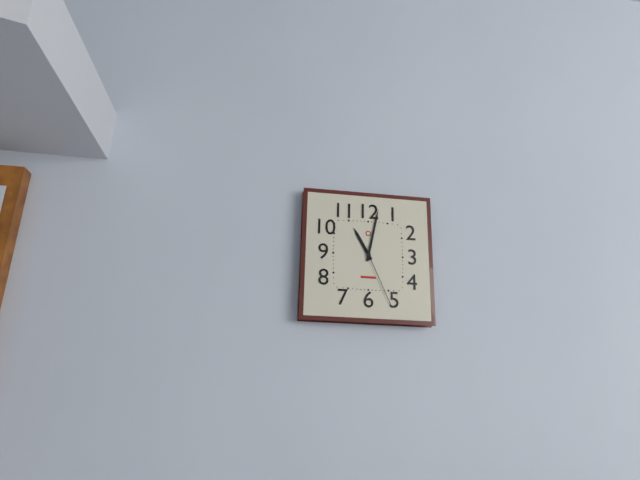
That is h=11 m=2 s=26
